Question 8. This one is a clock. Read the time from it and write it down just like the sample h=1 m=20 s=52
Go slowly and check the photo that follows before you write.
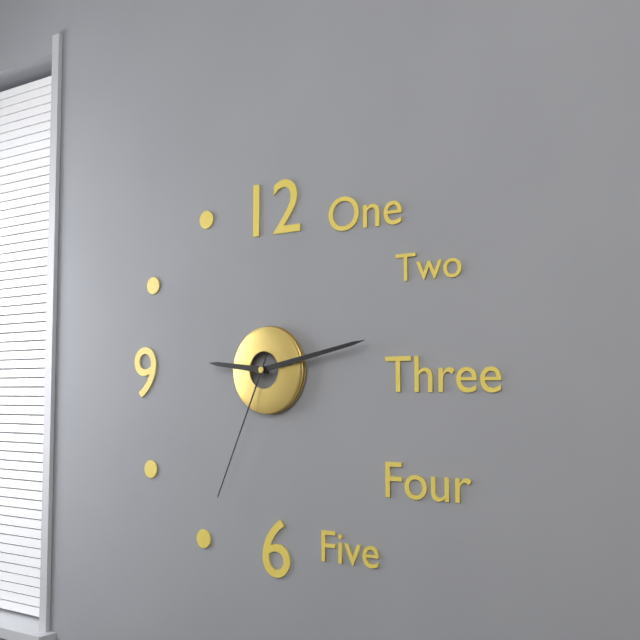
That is h=9 m=13 s=34
